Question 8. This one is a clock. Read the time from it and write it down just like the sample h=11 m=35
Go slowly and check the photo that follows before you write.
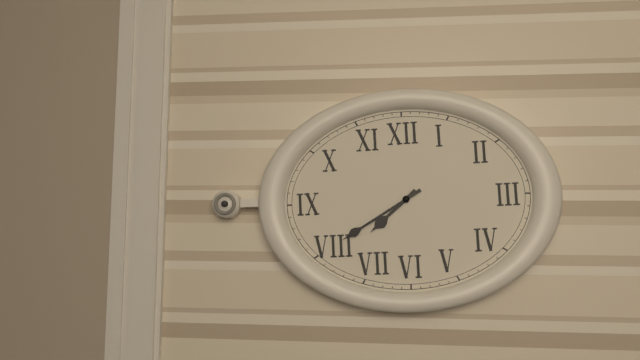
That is h=7 m=40
